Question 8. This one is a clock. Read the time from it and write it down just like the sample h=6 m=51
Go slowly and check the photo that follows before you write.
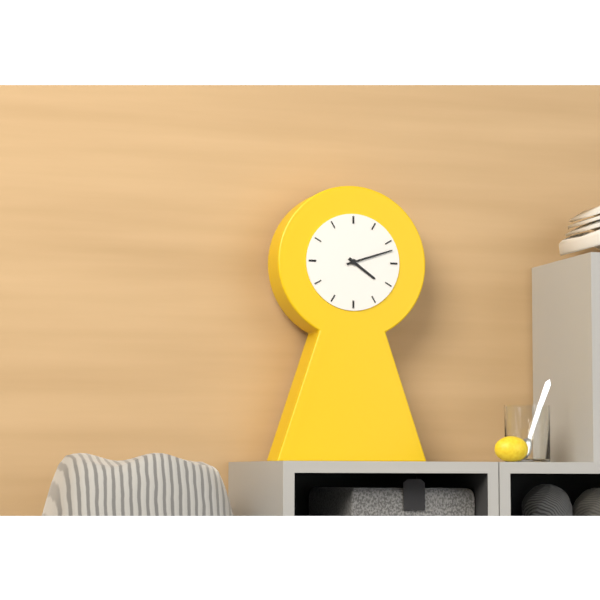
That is h=4 m=12
